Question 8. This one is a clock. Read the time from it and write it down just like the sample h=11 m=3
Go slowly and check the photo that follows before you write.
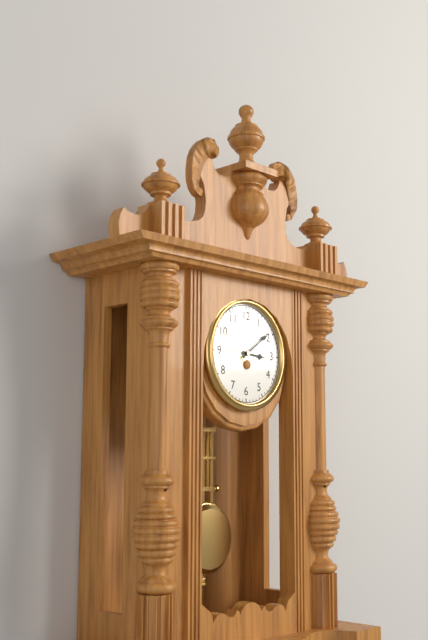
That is h=3 m=9
